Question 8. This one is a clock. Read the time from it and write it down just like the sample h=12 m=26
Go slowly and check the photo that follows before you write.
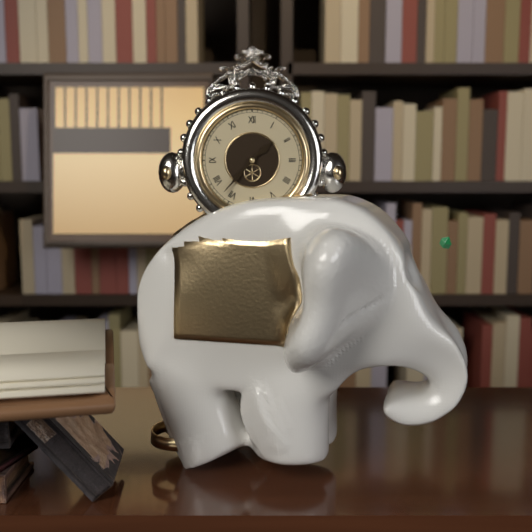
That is h=1 m=37
